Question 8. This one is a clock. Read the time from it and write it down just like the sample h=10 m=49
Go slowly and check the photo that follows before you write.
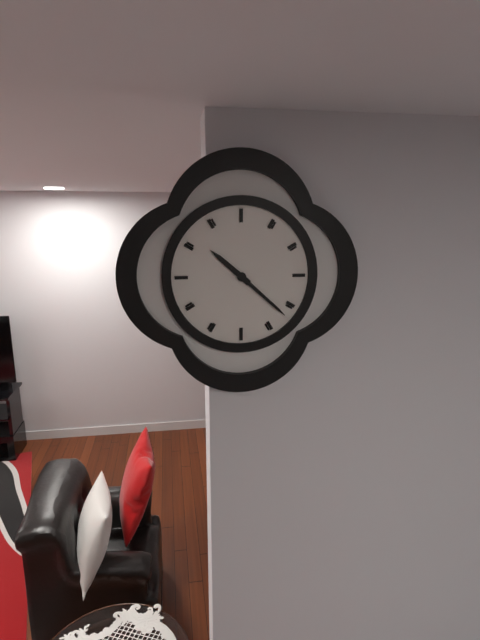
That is h=10 m=22
